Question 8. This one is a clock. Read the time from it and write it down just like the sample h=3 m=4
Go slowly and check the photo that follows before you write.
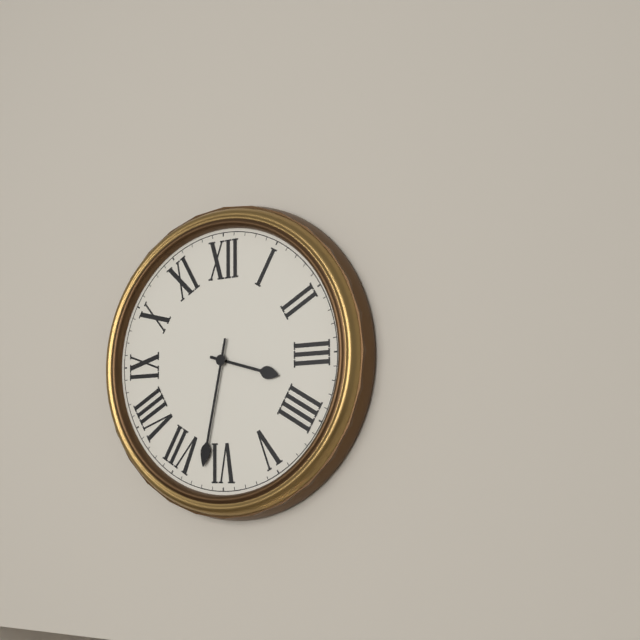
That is h=3 m=32
